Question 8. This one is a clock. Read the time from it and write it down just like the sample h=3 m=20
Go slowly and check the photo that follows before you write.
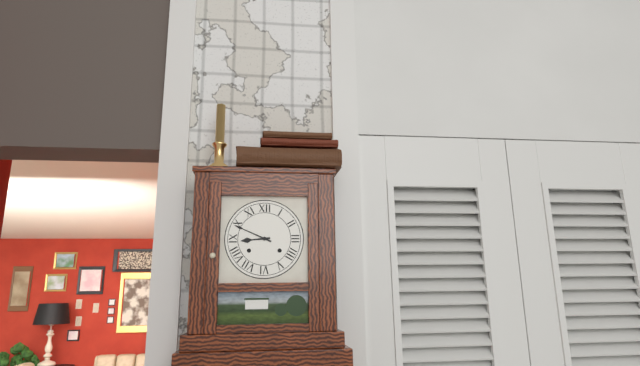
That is h=8 m=49
